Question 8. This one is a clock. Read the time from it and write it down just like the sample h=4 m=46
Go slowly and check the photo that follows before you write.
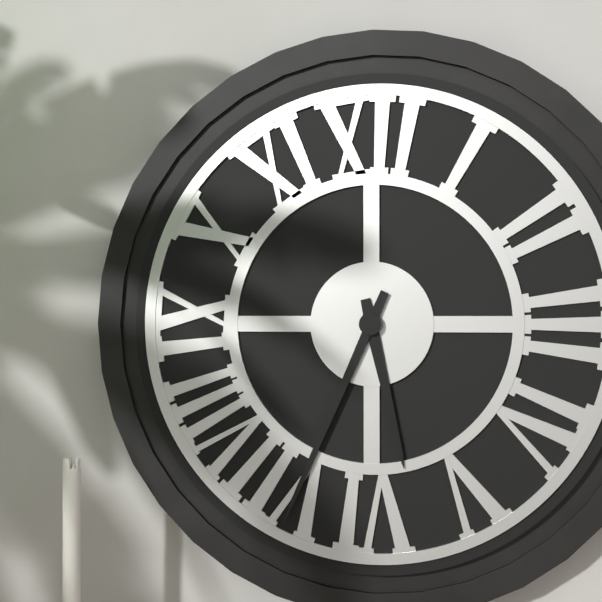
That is h=5 m=34
